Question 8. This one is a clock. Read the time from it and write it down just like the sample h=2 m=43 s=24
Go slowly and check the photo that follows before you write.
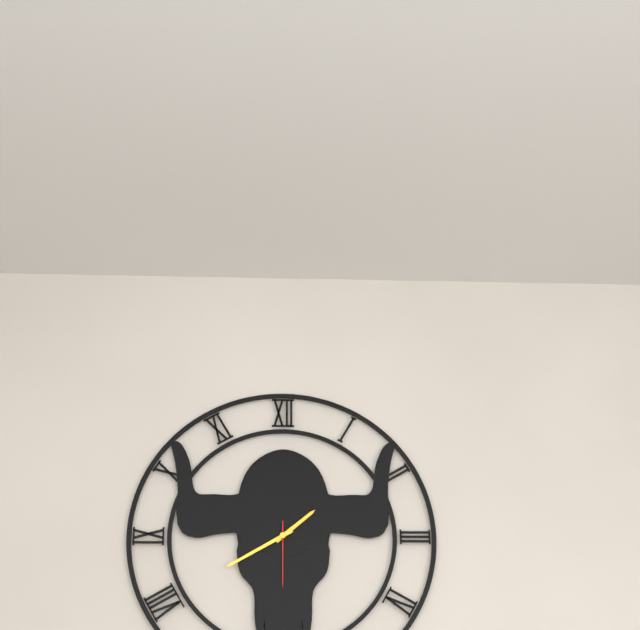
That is h=1 m=40 s=30
